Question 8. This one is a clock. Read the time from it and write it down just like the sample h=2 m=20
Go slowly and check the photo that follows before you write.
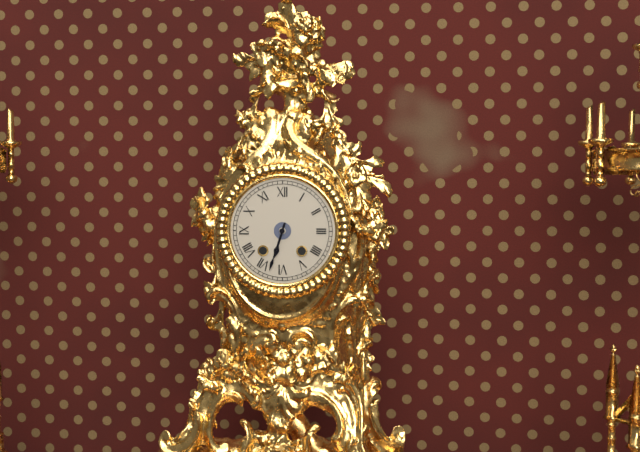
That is h=6 m=33
